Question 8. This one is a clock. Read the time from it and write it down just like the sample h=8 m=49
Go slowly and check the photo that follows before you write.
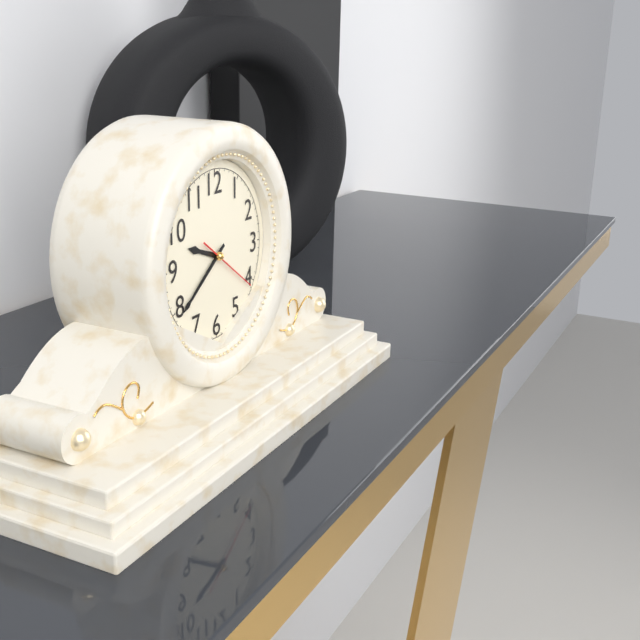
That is h=9 m=39
